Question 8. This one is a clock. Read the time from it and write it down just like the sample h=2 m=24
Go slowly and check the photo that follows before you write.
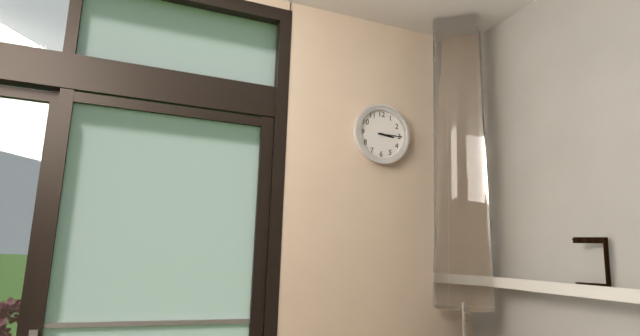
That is h=3 m=15
